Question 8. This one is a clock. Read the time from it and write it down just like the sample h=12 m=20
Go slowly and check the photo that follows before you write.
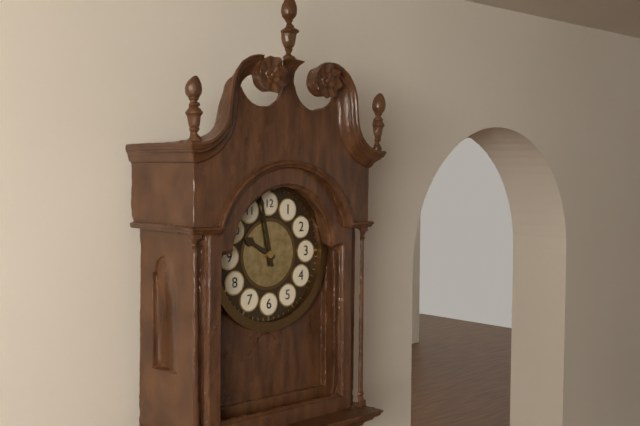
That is h=9 m=58
